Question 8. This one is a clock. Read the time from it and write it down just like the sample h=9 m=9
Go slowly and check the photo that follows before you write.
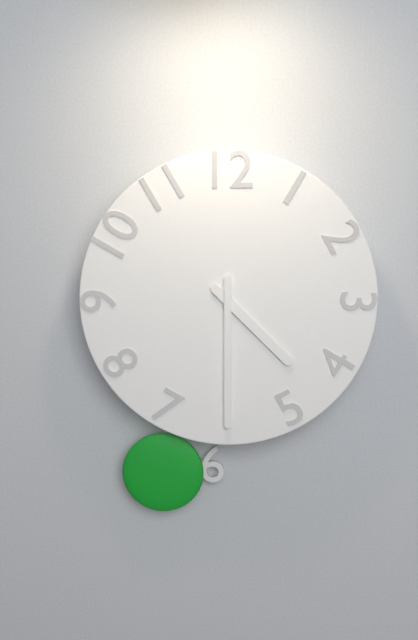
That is h=4 m=30
